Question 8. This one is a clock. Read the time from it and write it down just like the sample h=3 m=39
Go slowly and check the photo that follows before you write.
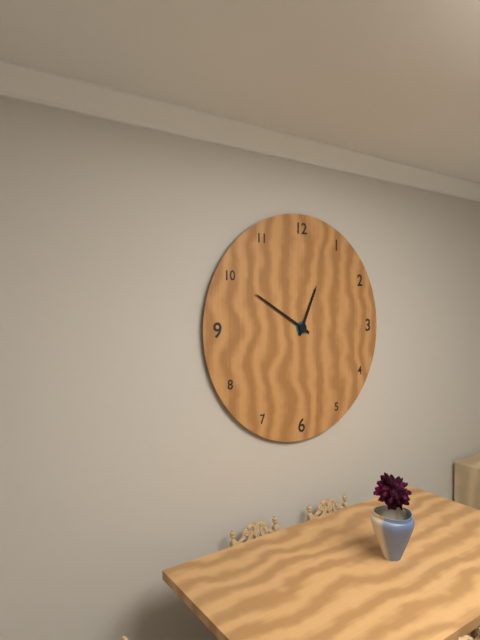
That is h=12 m=50
